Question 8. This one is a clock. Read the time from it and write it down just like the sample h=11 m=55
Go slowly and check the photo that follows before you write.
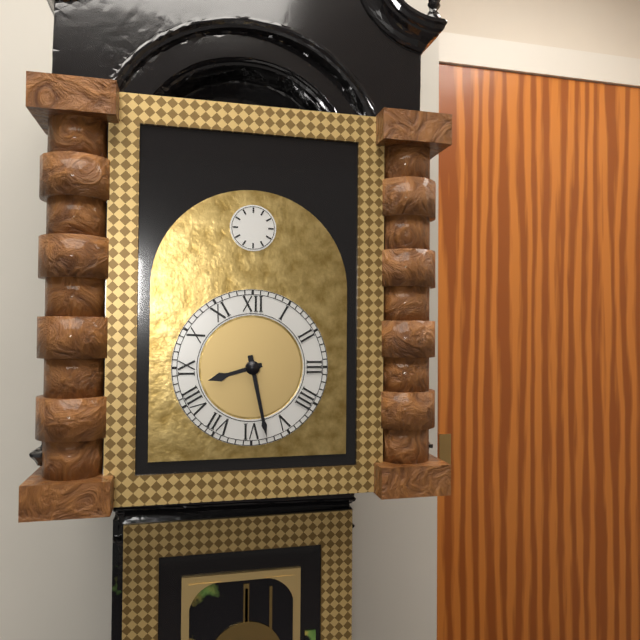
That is h=8 m=28
